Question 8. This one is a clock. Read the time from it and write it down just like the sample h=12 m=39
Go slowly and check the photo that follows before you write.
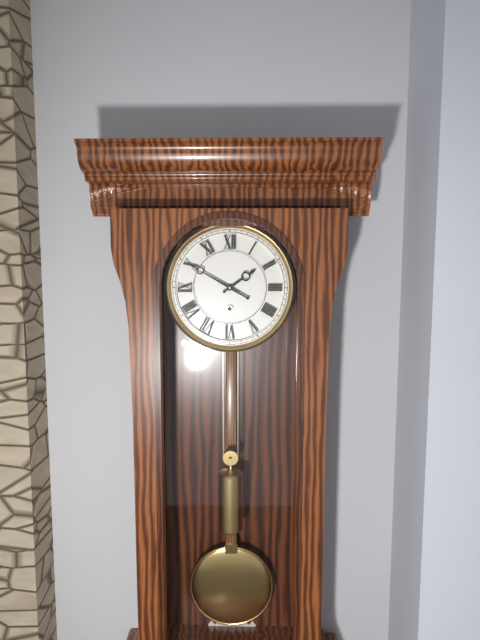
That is h=1 m=50
